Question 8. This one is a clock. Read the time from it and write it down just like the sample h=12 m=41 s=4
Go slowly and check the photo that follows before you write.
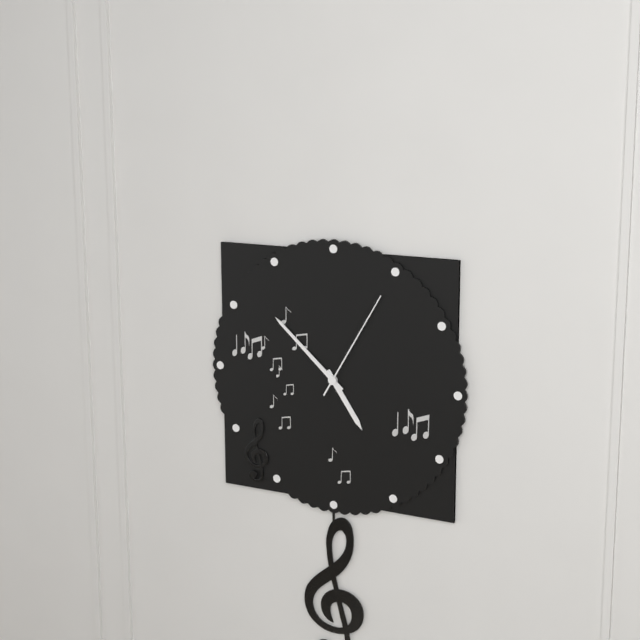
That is h=4 m=52 s=5
